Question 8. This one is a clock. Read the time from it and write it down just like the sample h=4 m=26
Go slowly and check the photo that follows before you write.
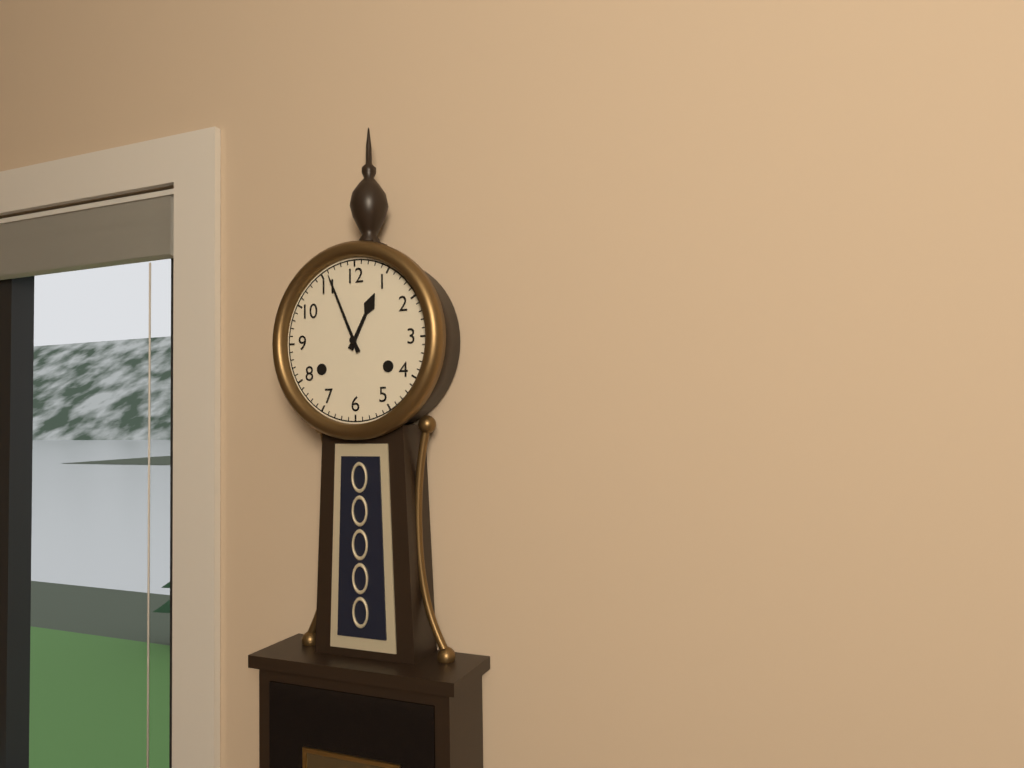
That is h=12 m=56
